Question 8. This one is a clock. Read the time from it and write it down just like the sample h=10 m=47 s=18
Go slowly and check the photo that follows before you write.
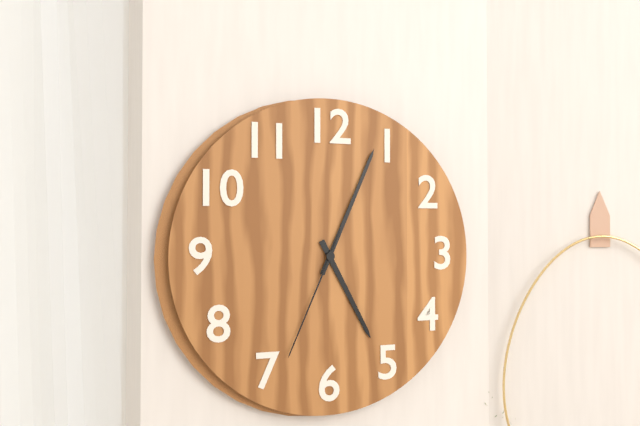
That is h=5 m=4 s=34
